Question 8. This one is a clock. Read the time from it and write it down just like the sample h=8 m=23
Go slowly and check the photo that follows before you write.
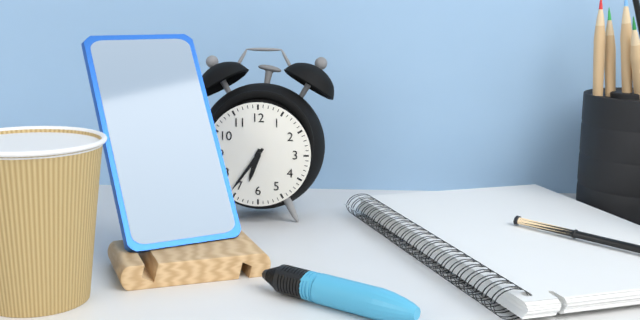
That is h=6 m=36
